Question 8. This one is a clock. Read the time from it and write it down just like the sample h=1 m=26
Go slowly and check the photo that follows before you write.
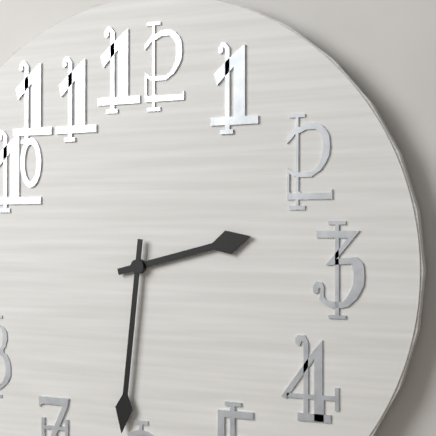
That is h=2 m=31
